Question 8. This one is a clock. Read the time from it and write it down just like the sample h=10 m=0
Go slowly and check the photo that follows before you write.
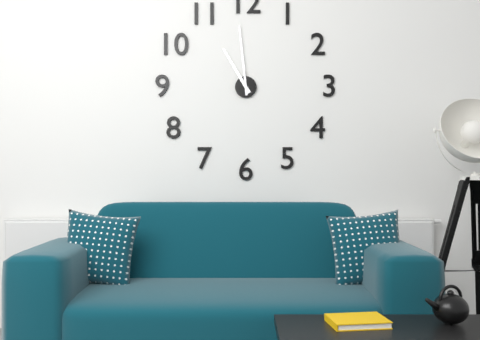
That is h=10 m=59
